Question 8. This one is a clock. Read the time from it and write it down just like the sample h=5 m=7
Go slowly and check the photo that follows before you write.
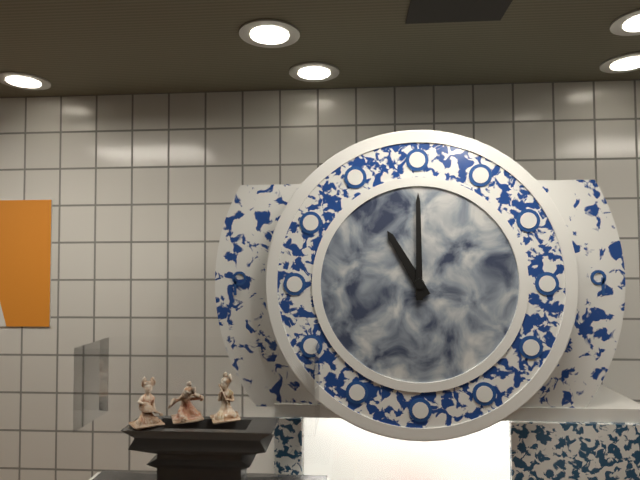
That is h=11 m=0
